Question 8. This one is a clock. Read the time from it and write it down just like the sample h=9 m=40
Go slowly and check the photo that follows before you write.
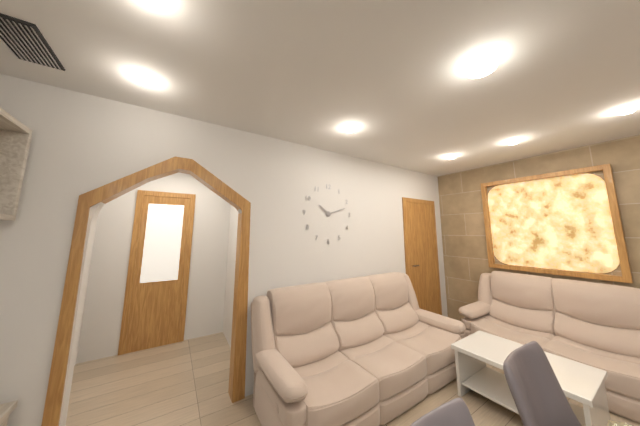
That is h=10 m=12
